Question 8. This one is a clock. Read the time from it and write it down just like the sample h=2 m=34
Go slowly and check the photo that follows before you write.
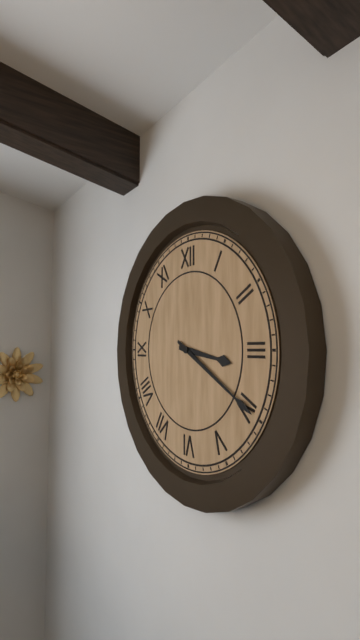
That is h=3 m=20
